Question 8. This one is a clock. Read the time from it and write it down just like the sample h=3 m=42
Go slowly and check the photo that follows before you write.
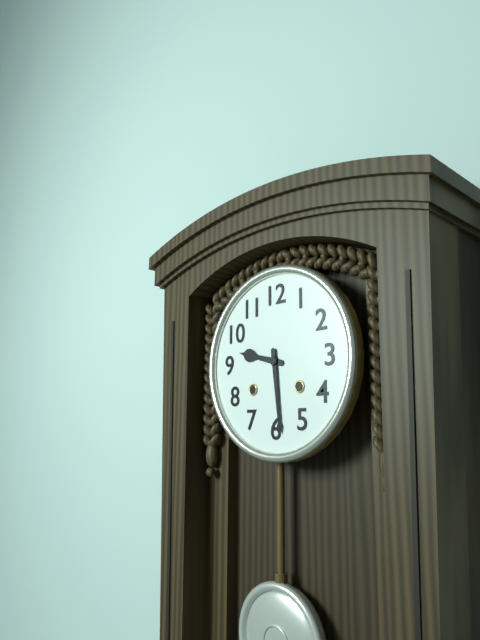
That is h=9 m=29
